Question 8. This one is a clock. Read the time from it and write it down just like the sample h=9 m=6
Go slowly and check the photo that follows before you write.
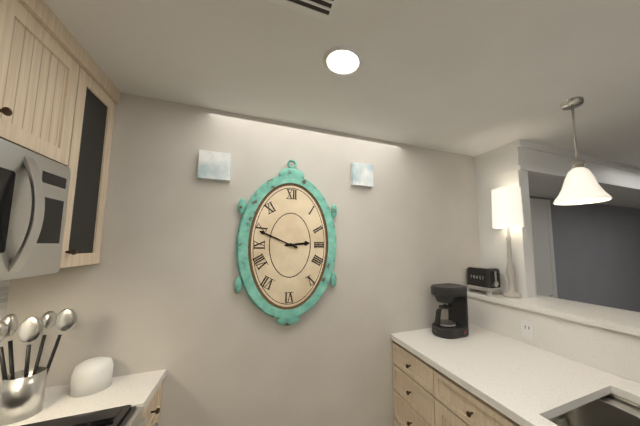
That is h=2 m=49
